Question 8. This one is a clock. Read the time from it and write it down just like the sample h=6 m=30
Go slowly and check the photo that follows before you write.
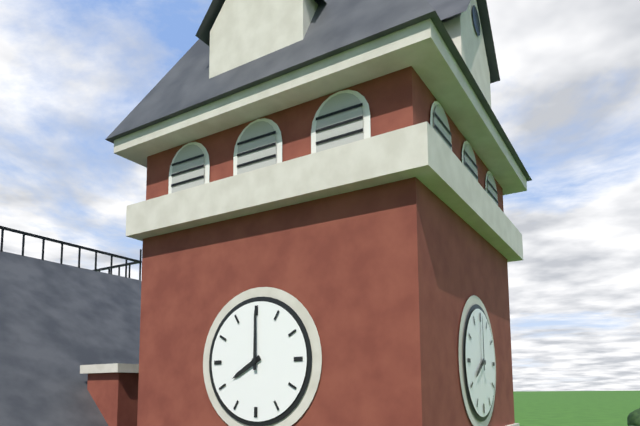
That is h=8 m=0
